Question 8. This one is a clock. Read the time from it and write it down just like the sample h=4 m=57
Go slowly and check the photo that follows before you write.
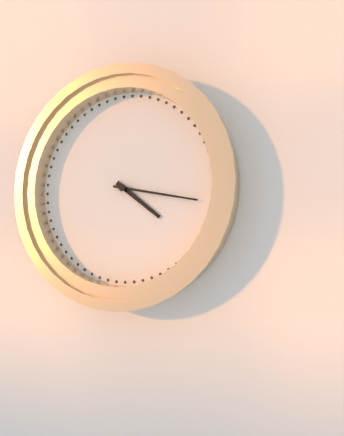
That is h=4 m=17
